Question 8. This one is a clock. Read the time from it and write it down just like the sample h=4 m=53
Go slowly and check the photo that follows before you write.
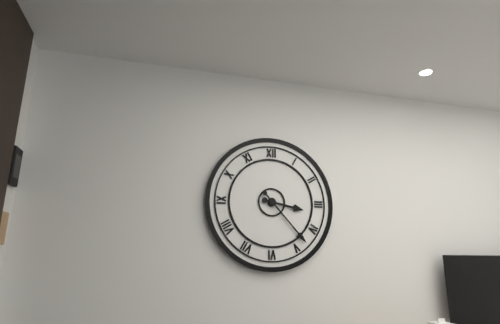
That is h=3 m=23
